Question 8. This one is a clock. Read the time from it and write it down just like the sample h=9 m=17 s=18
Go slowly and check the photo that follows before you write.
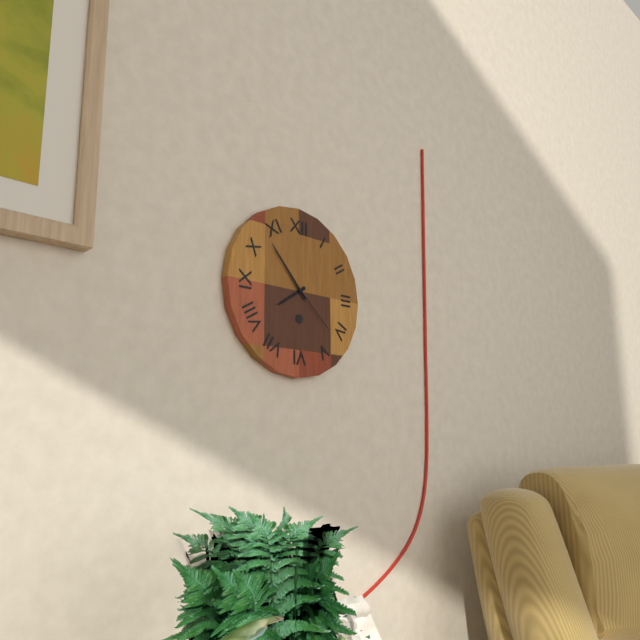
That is h=7 m=53 s=22
